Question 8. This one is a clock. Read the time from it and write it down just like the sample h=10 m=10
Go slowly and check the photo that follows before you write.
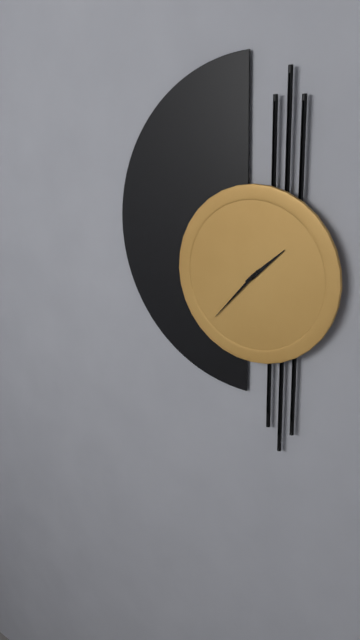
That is h=1 m=37
